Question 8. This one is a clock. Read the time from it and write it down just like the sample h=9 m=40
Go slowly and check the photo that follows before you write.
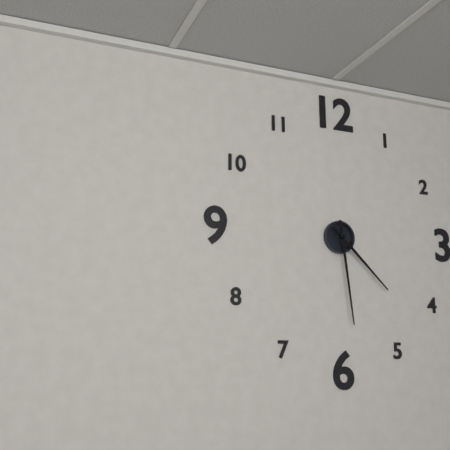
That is h=4 m=29
